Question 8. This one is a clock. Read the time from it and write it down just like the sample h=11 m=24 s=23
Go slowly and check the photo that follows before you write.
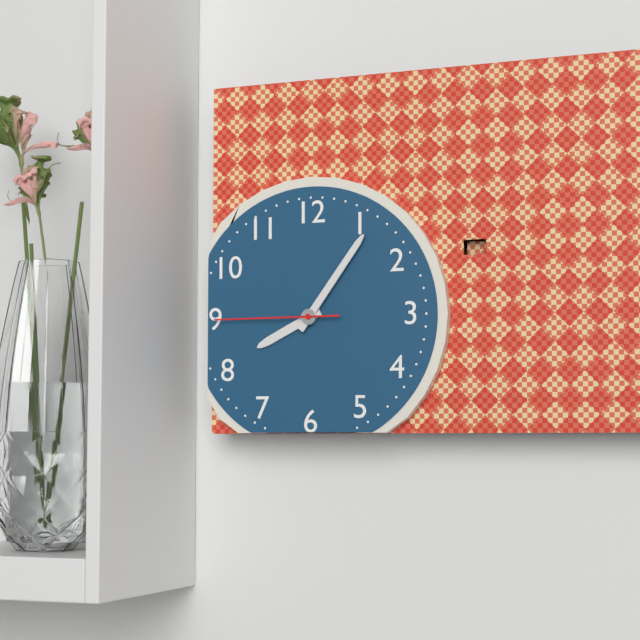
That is h=8 m=6 s=45
